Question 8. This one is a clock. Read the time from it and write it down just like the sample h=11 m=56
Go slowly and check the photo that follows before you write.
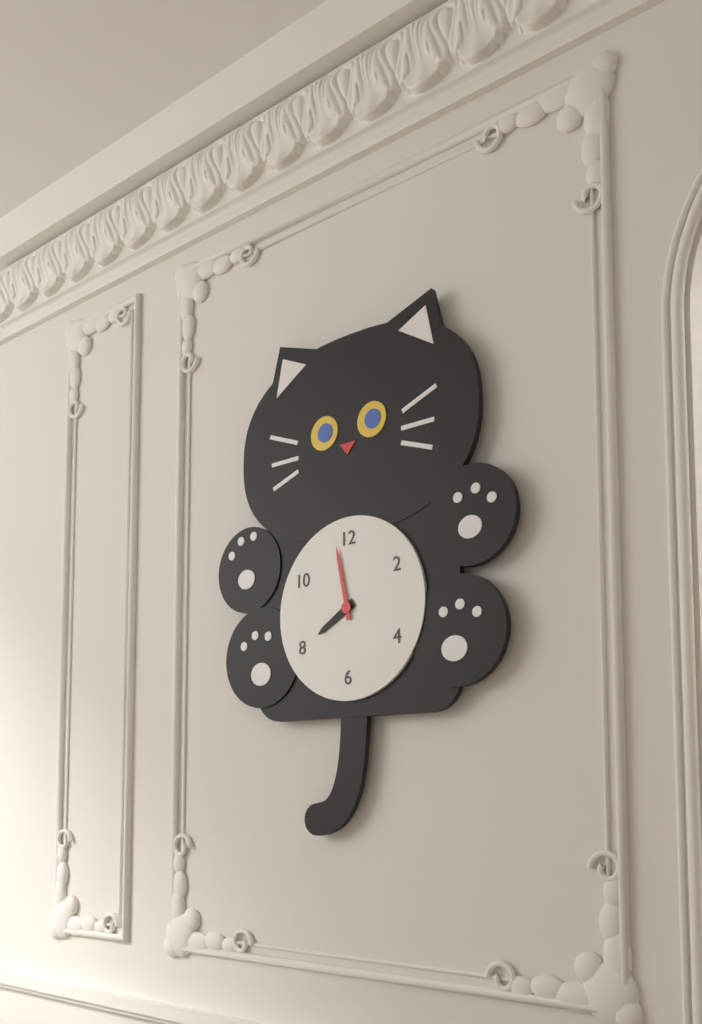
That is h=7 m=58
